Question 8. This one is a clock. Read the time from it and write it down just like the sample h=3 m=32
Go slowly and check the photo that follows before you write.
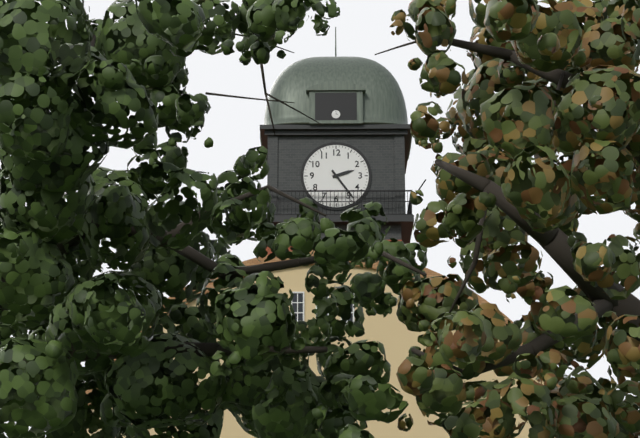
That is h=2 m=24
